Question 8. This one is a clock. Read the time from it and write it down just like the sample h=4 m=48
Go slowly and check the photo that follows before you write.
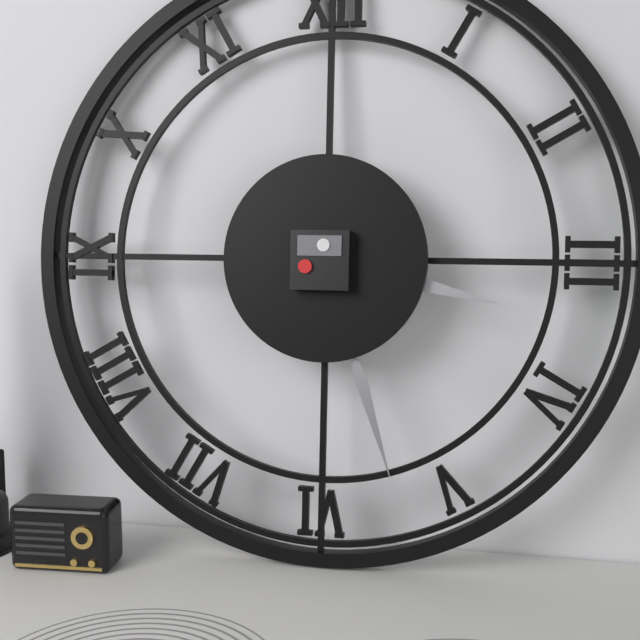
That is h=3 m=27
